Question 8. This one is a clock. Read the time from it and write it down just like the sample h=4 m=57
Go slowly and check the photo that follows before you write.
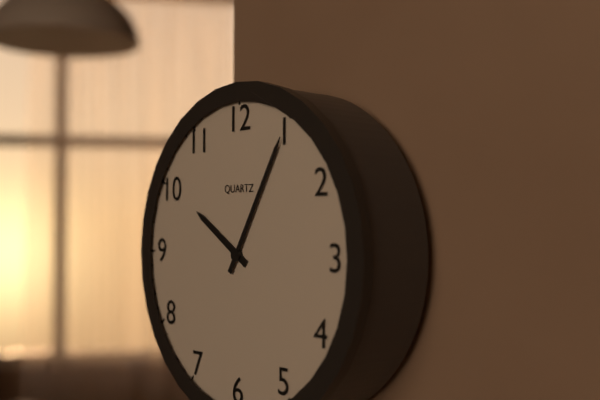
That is h=10 m=5
